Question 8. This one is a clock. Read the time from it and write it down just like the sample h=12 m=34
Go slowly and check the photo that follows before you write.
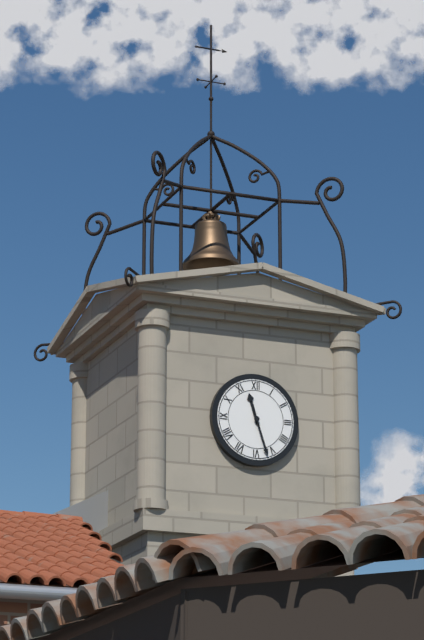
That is h=11 m=27
